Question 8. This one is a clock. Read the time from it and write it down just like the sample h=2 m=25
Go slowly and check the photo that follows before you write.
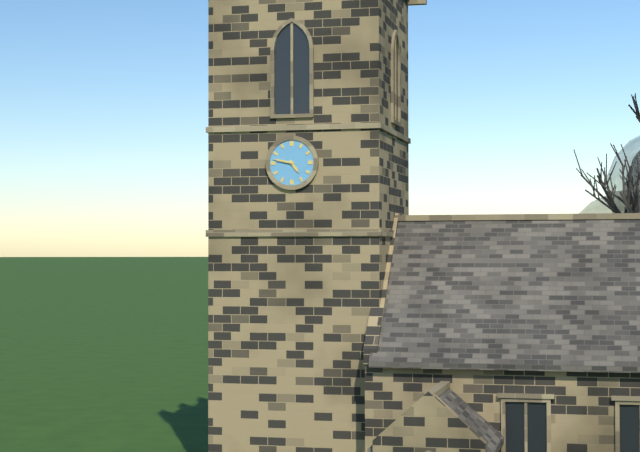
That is h=4 m=47
